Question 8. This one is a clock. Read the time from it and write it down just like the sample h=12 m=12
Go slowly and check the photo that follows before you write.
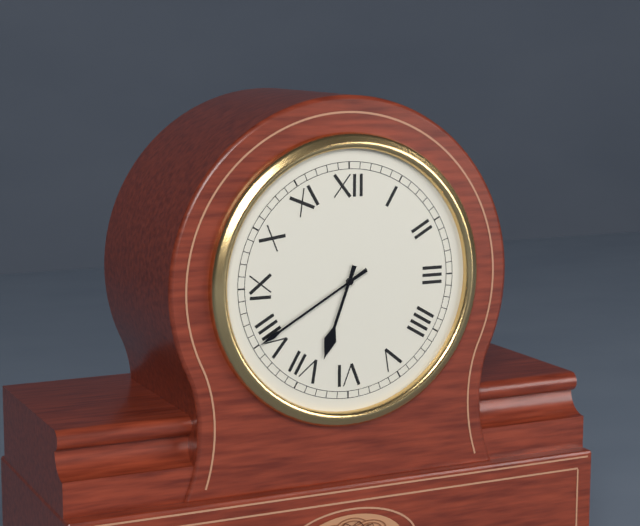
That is h=6 m=40
